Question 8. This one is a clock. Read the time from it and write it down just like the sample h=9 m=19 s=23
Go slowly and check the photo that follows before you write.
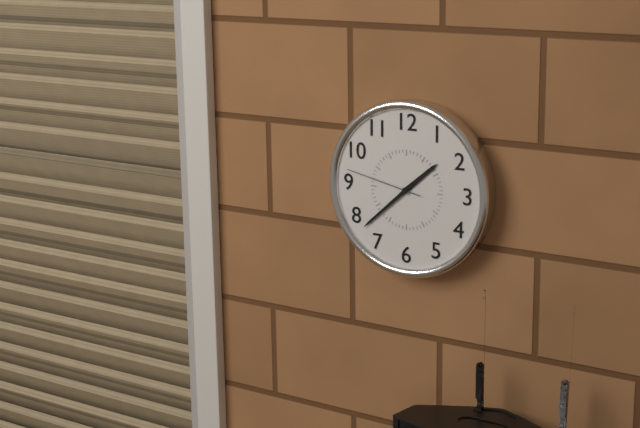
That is h=1 m=38 s=47
